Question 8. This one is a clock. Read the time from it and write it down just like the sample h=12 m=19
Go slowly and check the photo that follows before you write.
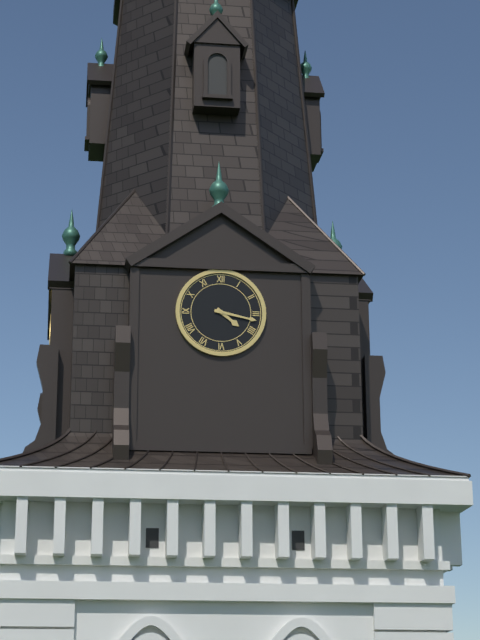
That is h=4 m=17
